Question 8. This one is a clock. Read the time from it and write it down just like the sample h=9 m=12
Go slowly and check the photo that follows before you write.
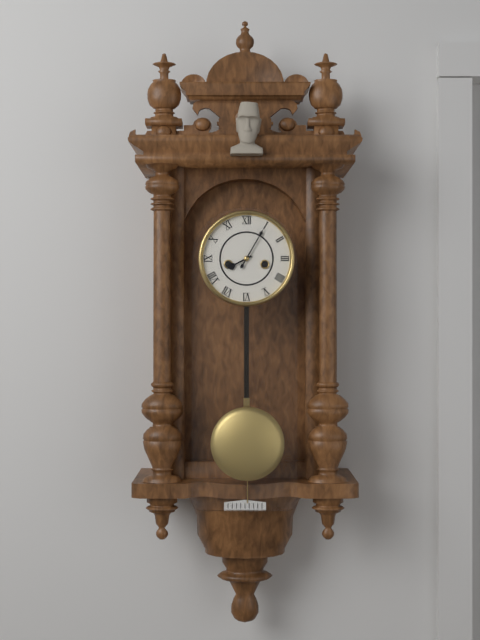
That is h=8 m=5
